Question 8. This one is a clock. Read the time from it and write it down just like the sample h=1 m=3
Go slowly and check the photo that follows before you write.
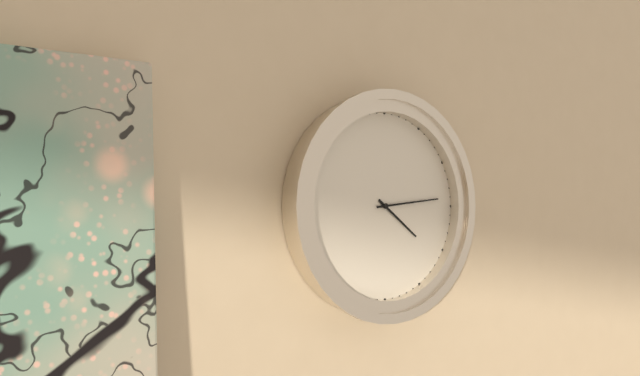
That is h=4 m=14
